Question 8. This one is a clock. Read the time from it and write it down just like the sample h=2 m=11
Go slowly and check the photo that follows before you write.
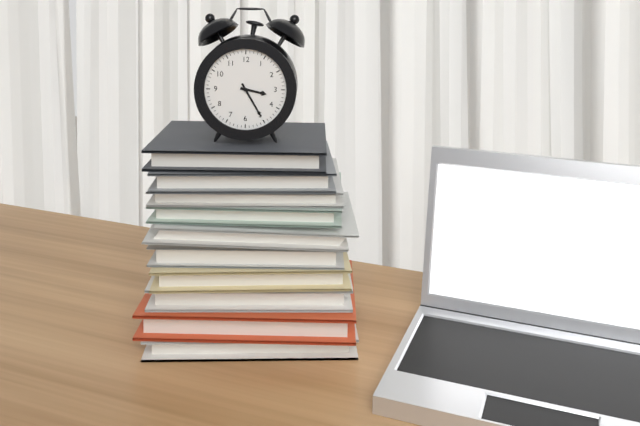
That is h=3 m=25
